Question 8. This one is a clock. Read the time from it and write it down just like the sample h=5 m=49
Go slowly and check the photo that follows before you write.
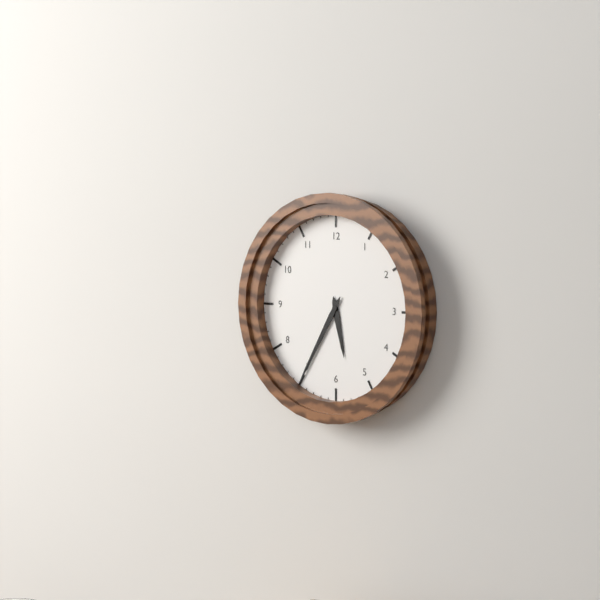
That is h=5 m=35
